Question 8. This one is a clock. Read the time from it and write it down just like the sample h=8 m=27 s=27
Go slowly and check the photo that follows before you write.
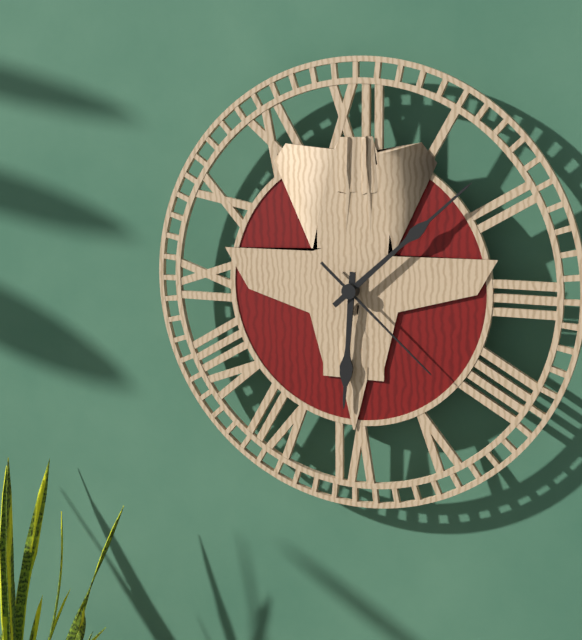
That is h=6 m=8 s=22
